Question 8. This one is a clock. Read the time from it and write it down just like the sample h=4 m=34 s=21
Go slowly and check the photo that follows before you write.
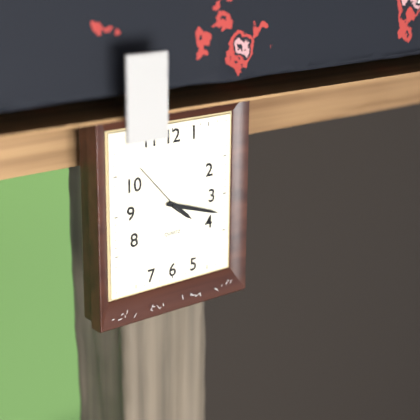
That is h=4 m=18 s=53
